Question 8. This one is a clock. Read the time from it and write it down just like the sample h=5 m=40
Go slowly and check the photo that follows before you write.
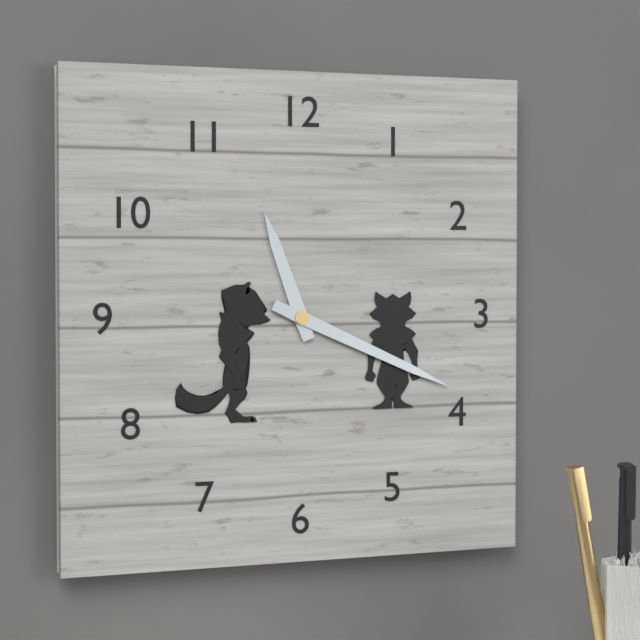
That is h=11 m=19
